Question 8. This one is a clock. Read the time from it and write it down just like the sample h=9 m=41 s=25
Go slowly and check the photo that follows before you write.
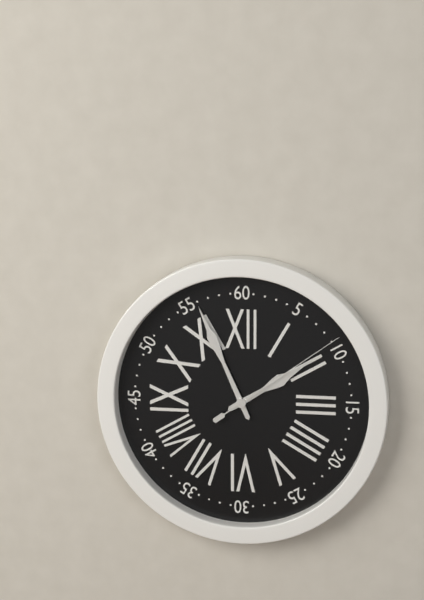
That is h=1 m=56 s=9
